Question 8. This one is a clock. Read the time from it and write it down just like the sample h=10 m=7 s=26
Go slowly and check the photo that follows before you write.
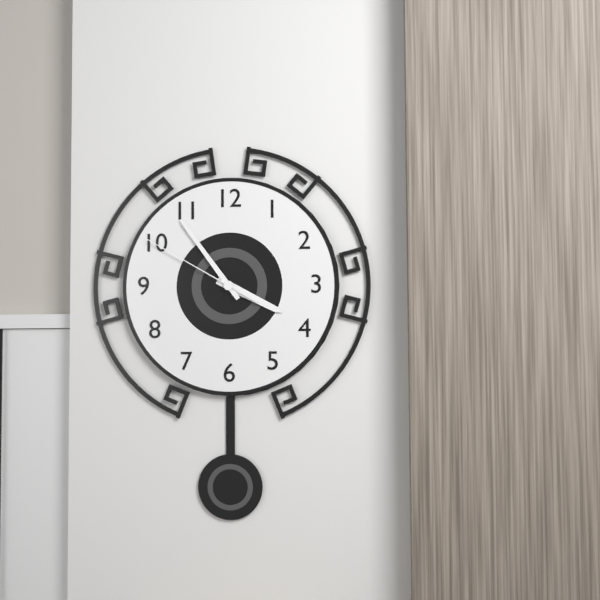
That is h=3 m=54 s=50
